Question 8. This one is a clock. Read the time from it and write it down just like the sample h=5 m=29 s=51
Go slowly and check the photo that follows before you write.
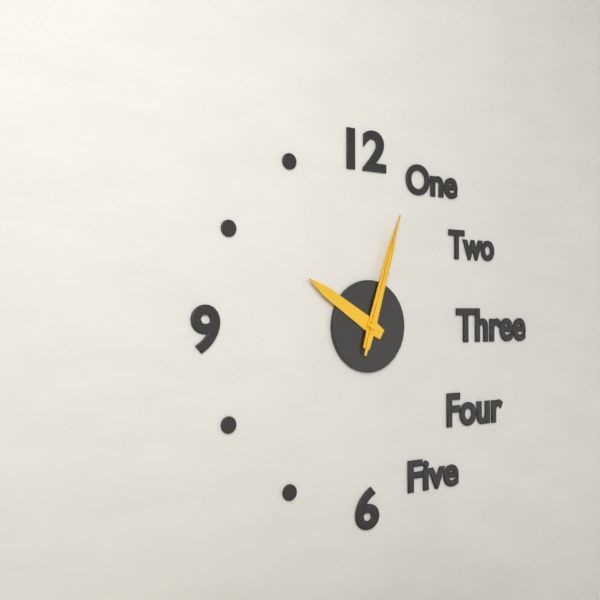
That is h=10 m=3 s=3
